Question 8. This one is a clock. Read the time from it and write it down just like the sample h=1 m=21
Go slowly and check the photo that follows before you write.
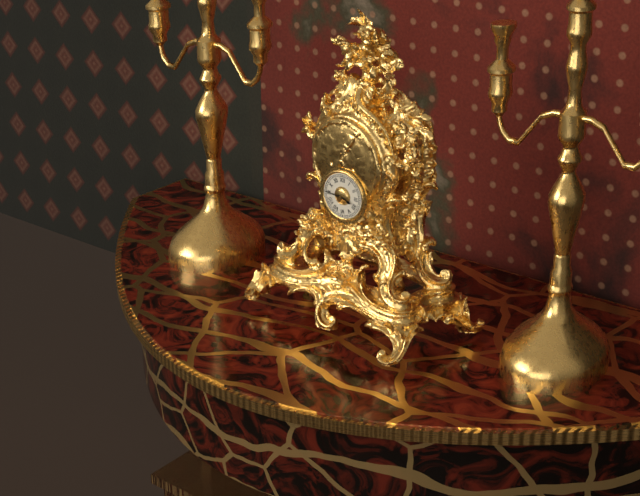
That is h=3 m=46
